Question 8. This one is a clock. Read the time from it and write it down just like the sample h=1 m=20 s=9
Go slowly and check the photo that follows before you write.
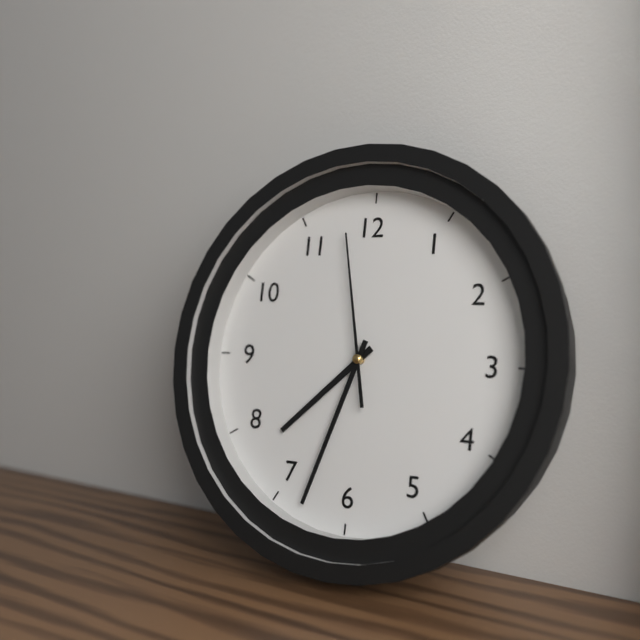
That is h=7 m=33 s=58
